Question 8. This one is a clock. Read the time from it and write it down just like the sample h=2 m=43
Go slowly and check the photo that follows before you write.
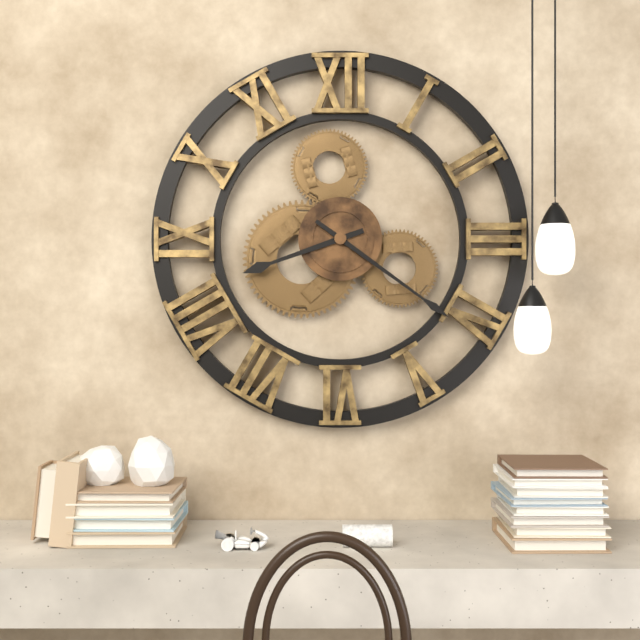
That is h=8 m=21
